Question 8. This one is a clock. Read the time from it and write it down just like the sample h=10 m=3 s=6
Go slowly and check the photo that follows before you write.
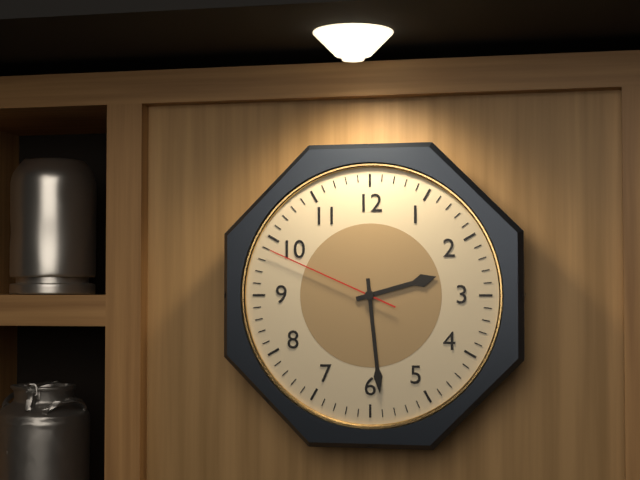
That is h=2 m=29 s=49
